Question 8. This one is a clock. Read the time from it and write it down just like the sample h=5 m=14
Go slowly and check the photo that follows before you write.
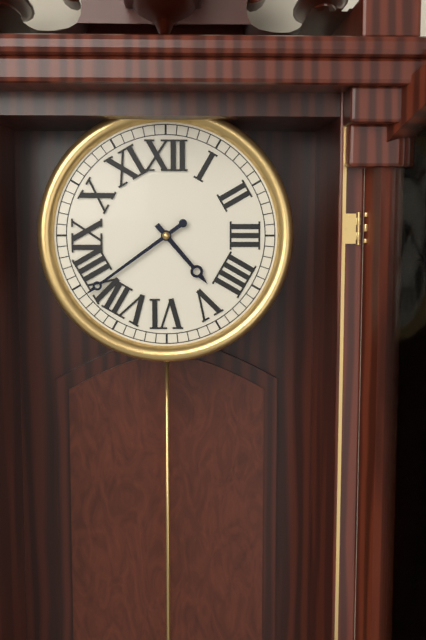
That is h=4 m=39
